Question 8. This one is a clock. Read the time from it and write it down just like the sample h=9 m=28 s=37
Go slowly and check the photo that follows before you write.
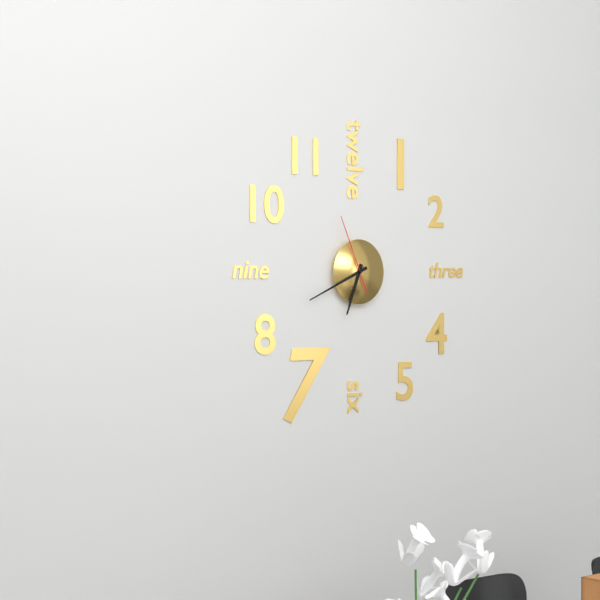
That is h=6 m=41 s=56
